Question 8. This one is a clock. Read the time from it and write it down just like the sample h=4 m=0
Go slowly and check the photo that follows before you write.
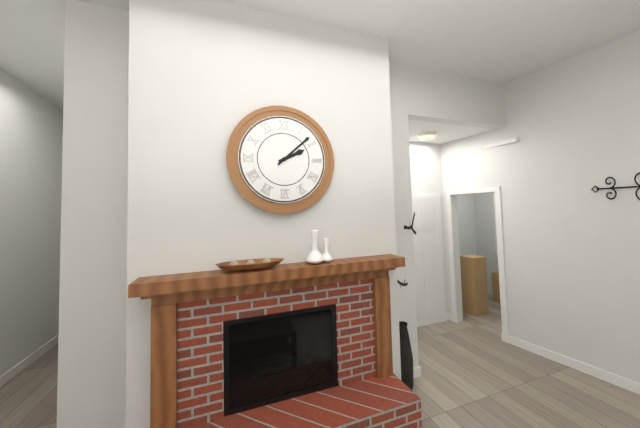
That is h=2 m=8
